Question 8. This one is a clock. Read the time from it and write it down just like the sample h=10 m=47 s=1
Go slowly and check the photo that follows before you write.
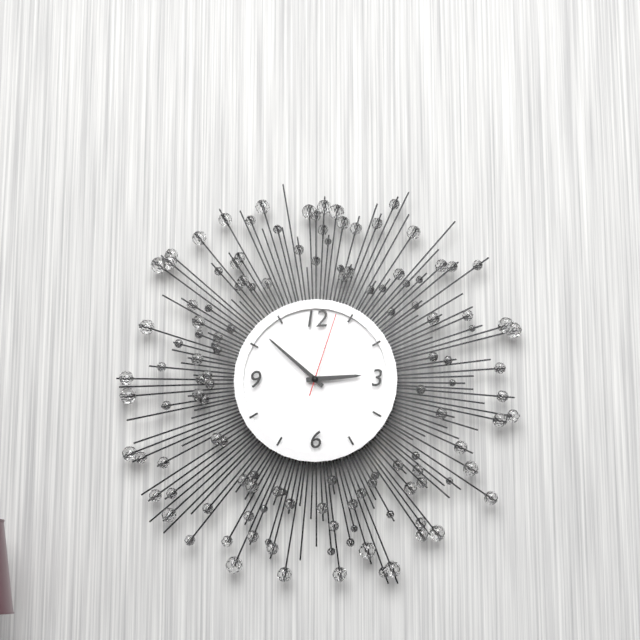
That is h=2 m=52 s=3
